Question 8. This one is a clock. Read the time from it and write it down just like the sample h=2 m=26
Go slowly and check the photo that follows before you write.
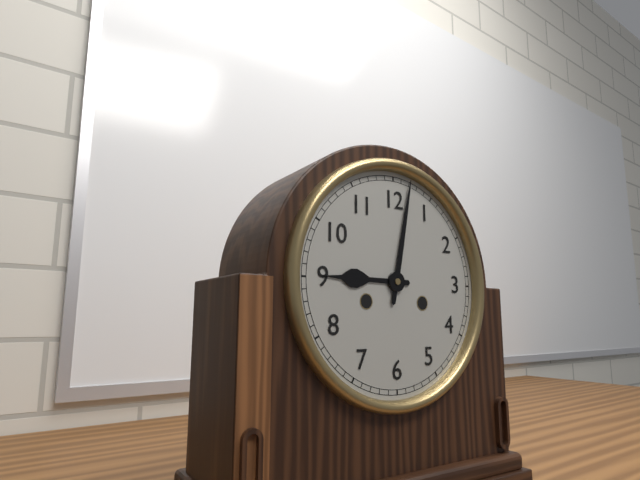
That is h=9 m=2
